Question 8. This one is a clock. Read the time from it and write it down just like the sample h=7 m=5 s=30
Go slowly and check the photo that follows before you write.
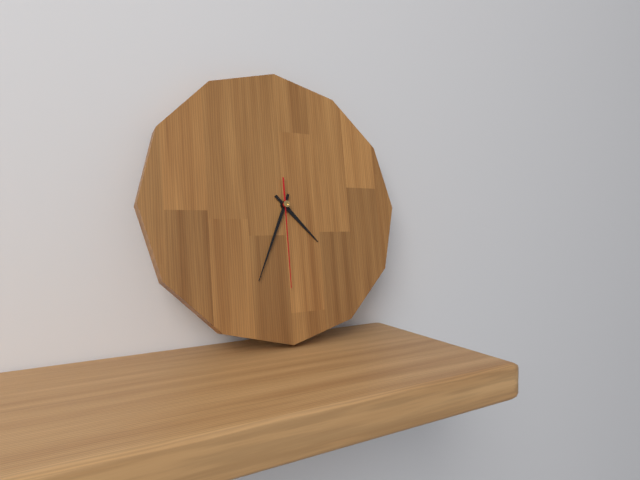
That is h=4 m=34 s=30
